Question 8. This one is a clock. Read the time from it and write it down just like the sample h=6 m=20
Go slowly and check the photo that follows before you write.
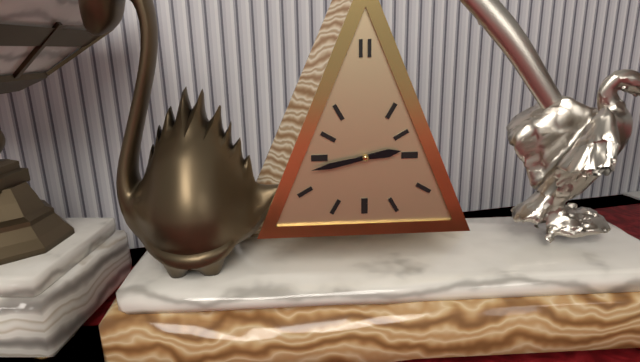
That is h=2 m=43
